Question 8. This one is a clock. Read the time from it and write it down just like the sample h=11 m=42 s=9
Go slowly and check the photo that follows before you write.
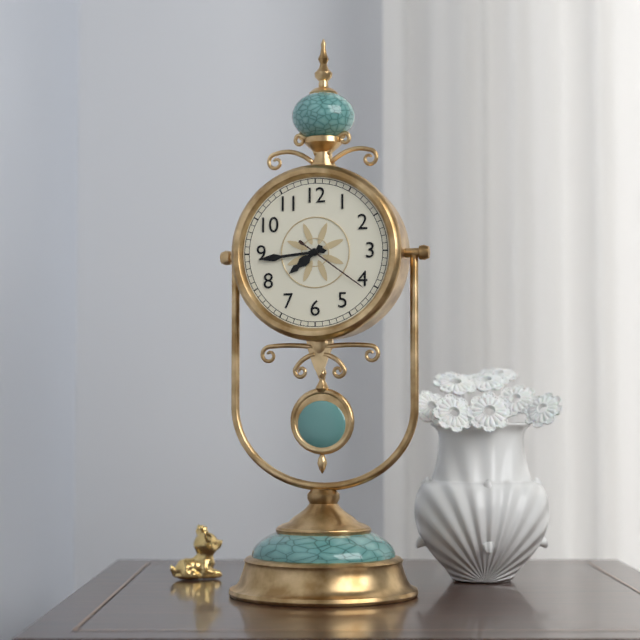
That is h=7 m=44 s=21
